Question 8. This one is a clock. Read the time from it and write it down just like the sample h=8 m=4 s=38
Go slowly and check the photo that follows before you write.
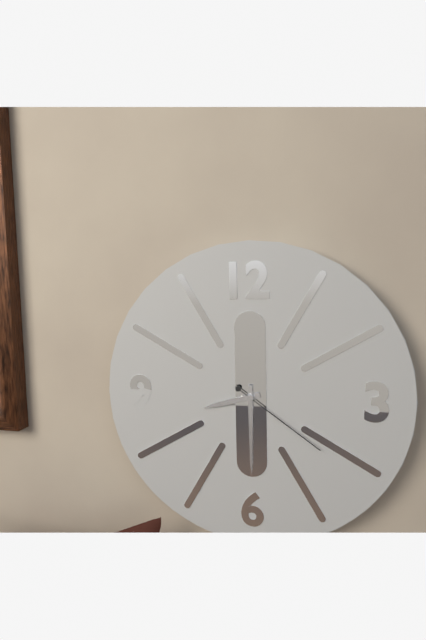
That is h=8 m=30 s=21
